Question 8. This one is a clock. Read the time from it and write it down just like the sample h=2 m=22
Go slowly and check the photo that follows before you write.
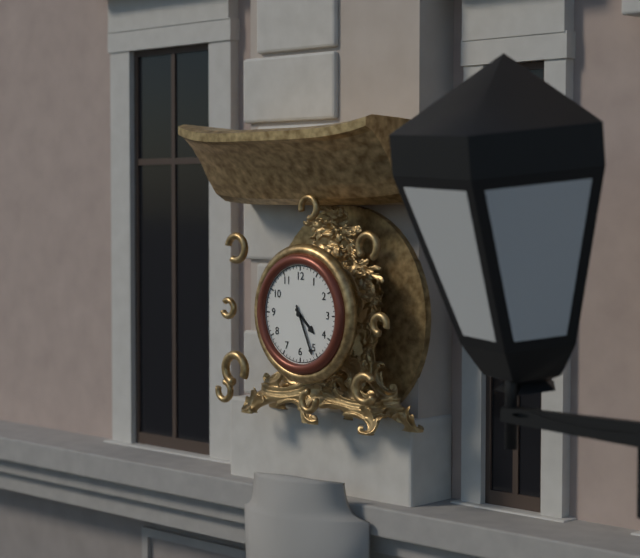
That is h=4 m=26
